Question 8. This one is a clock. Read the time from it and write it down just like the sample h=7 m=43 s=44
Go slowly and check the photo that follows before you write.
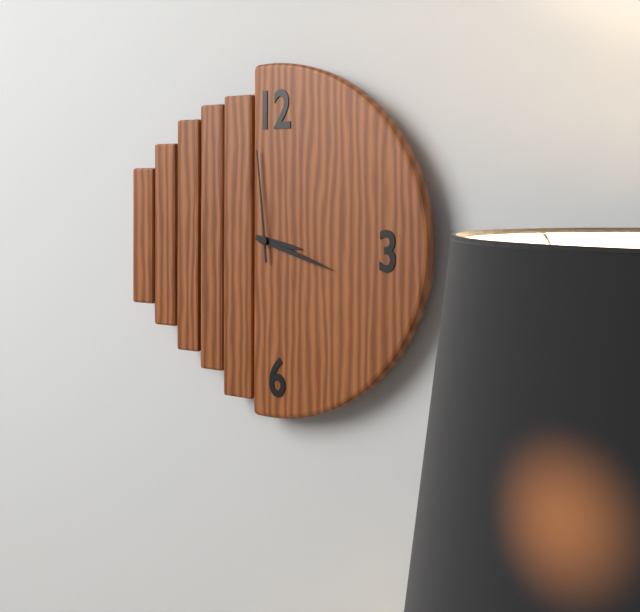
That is h=3 m=18 s=59
